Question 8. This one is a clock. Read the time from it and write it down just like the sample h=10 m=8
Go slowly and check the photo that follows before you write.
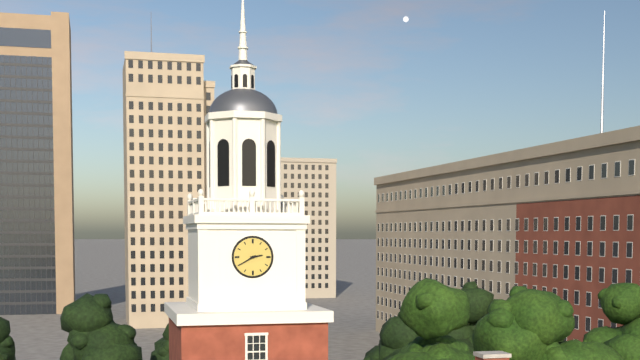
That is h=2 m=40
